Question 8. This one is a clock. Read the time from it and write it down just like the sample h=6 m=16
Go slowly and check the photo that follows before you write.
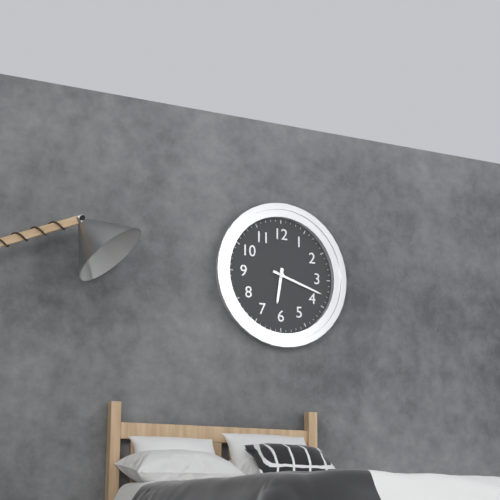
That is h=6 m=18
